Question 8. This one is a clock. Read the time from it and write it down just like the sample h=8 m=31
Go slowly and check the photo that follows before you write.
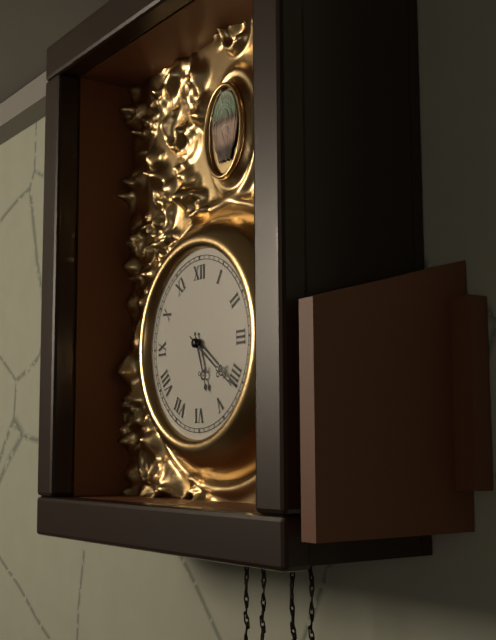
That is h=5 m=21
